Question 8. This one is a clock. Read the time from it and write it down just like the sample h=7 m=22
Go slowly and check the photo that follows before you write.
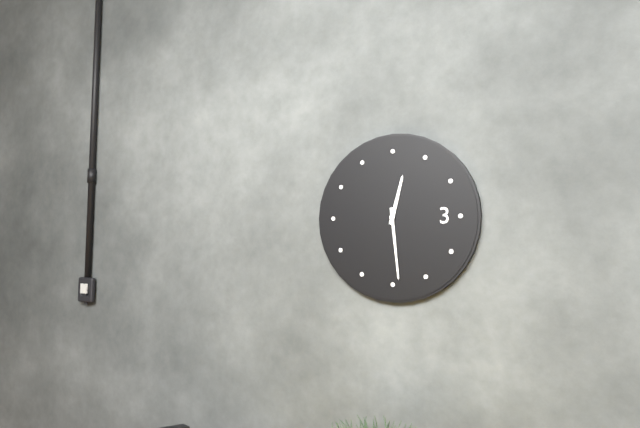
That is h=12 m=29
